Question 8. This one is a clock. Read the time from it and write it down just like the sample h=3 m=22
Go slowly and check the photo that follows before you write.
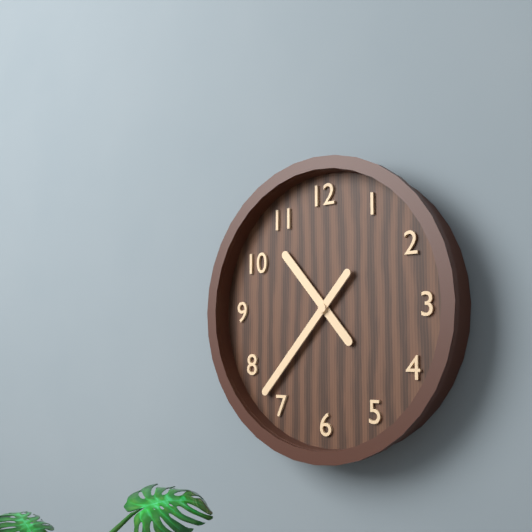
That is h=10 m=37
